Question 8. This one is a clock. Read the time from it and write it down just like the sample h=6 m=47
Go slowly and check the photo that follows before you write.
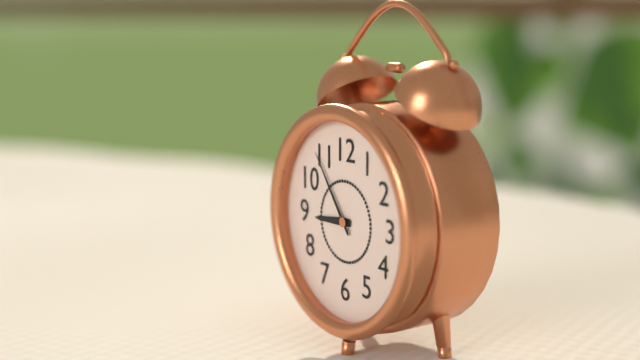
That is h=8 m=54
